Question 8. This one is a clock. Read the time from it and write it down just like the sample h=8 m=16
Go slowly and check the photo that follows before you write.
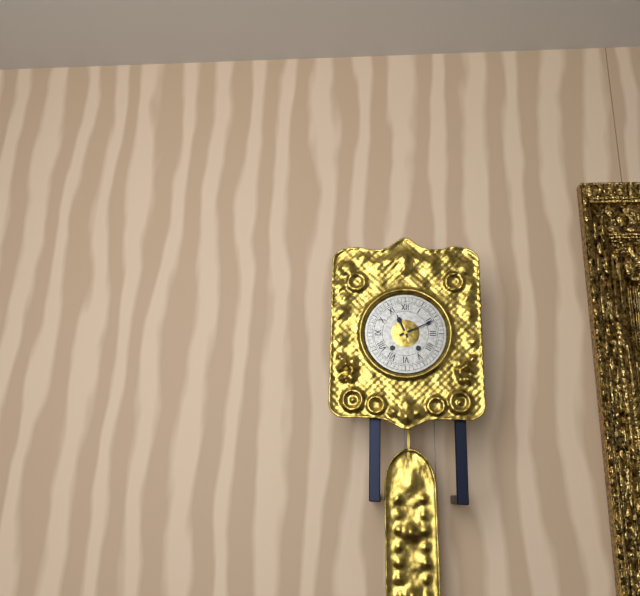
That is h=11 m=11
